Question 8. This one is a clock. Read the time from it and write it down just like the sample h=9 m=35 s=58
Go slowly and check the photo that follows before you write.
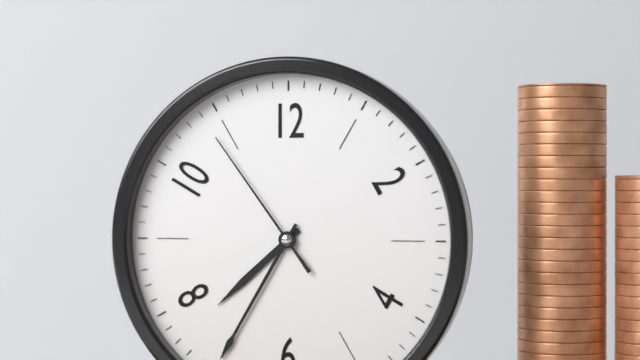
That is h=7 m=35 s=54
